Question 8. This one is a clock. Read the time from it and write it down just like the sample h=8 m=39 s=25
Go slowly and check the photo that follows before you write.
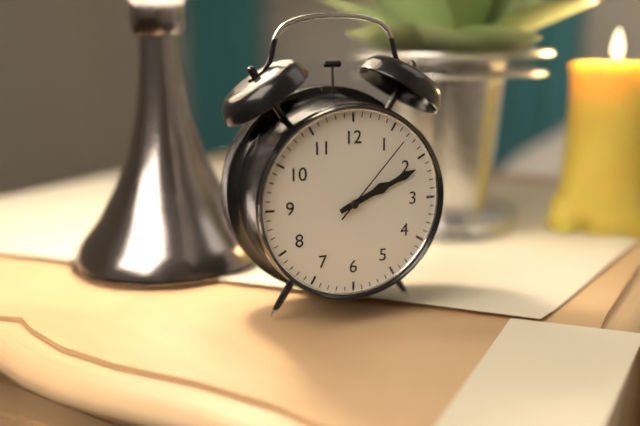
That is h=2 m=11 s=7
